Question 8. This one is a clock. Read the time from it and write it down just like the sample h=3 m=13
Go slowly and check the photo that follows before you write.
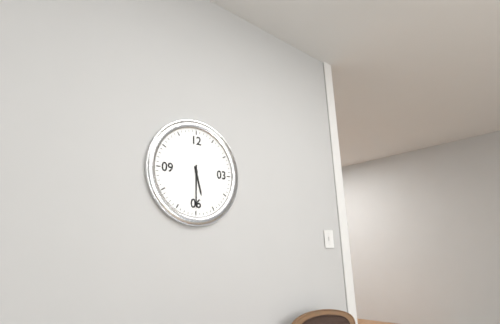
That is h=5 m=30
